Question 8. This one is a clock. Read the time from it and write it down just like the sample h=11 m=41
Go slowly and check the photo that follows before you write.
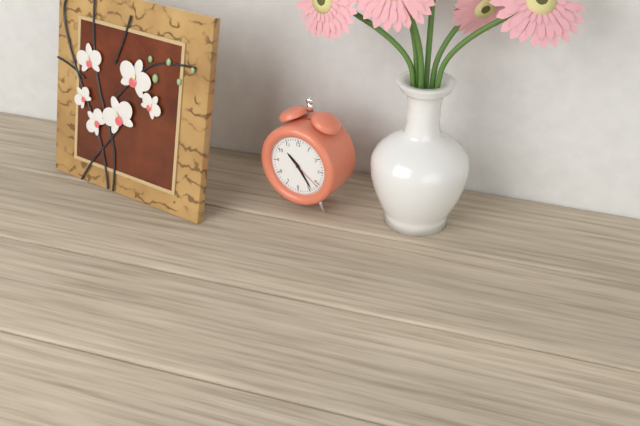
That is h=10 m=24
